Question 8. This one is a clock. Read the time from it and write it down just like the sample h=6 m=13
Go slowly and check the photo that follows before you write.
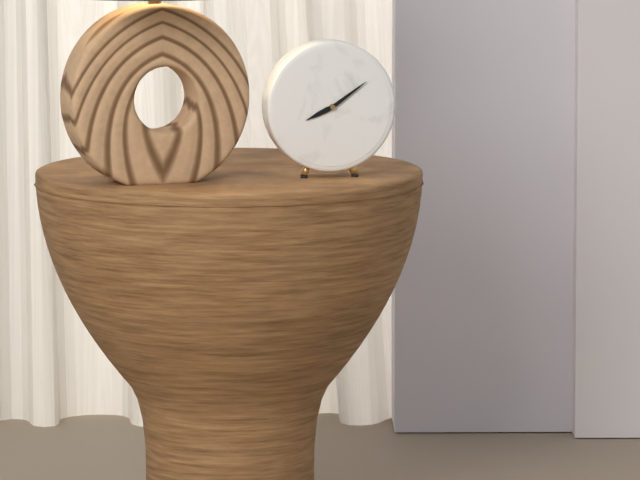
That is h=8 m=9
